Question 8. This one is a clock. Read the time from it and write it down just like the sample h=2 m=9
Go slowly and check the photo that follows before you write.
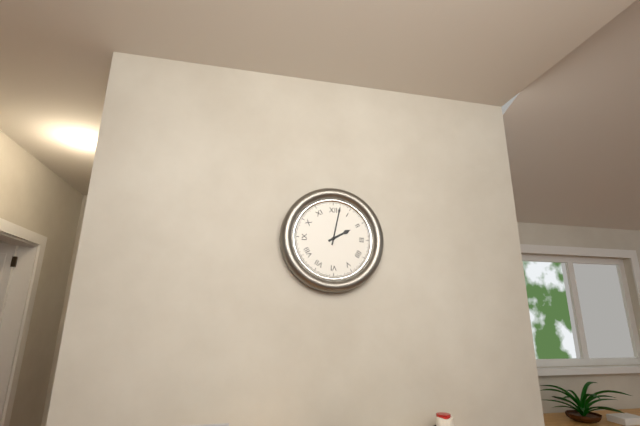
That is h=2 m=2
